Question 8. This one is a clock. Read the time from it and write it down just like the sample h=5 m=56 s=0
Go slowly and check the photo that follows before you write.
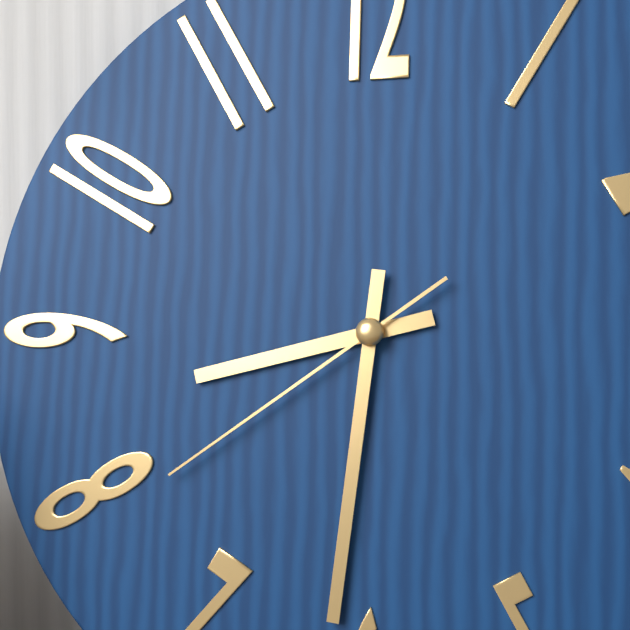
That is h=8 m=31 s=39
